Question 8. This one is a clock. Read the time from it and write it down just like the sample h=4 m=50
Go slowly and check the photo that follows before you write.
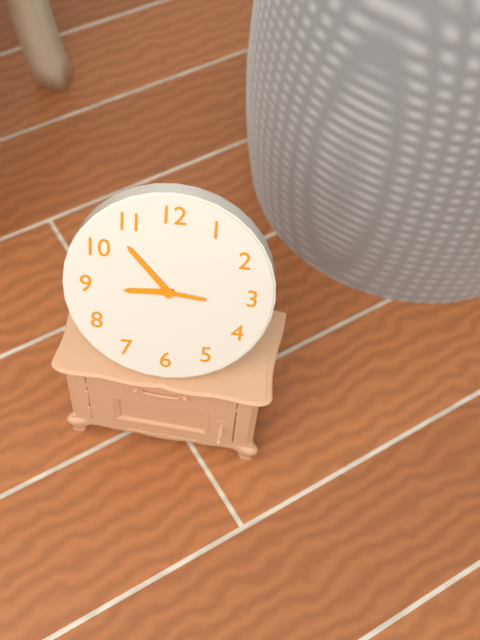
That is h=8 m=53
